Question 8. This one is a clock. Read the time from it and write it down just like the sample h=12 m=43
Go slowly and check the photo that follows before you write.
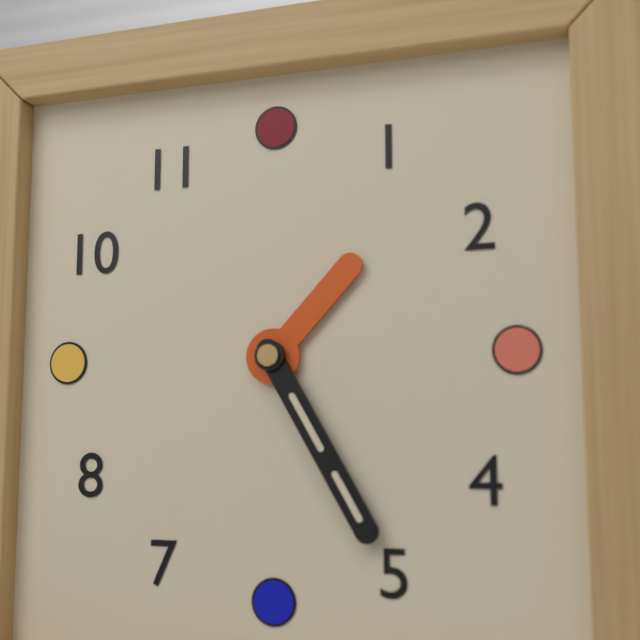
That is h=1 m=25
